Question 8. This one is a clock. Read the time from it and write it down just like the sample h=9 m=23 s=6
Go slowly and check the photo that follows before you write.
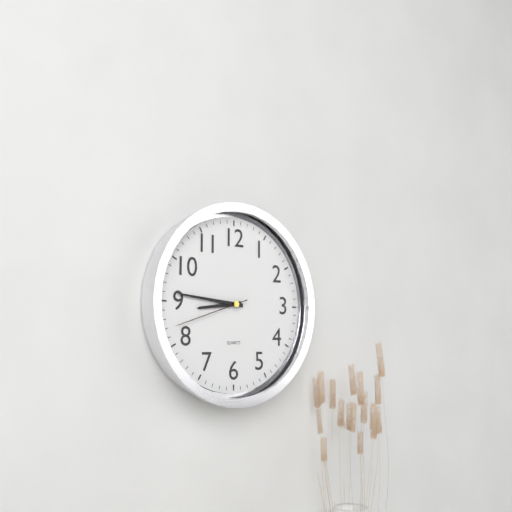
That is h=8 m=46 s=42
